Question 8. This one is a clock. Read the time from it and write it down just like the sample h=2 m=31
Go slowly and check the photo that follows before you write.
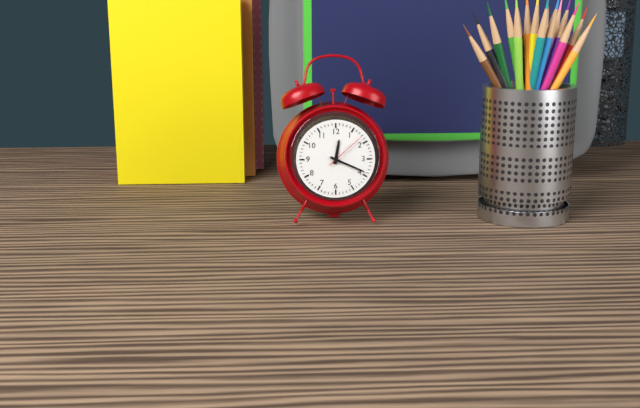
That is h=12 m=19
